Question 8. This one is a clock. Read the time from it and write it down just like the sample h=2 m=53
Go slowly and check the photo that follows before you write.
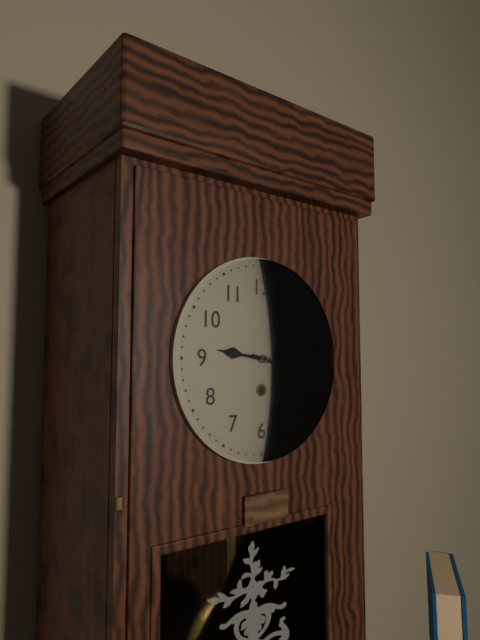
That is h=9 m=17
